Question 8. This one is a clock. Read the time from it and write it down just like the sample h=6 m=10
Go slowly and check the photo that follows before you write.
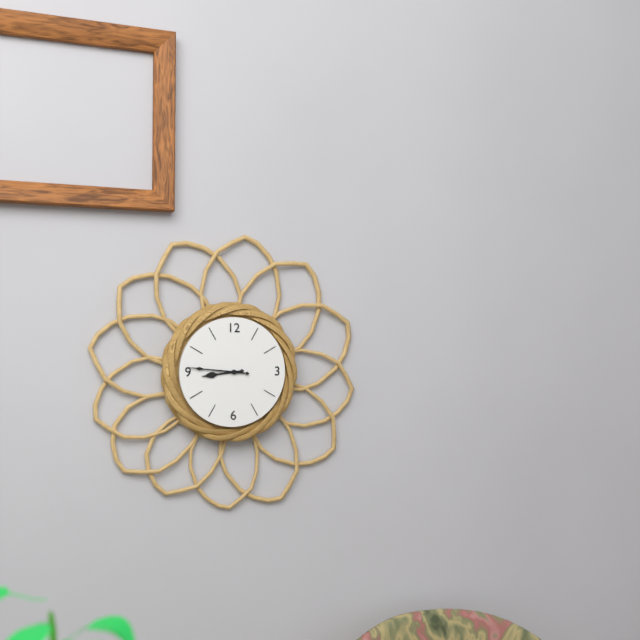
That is h=8 m=46
